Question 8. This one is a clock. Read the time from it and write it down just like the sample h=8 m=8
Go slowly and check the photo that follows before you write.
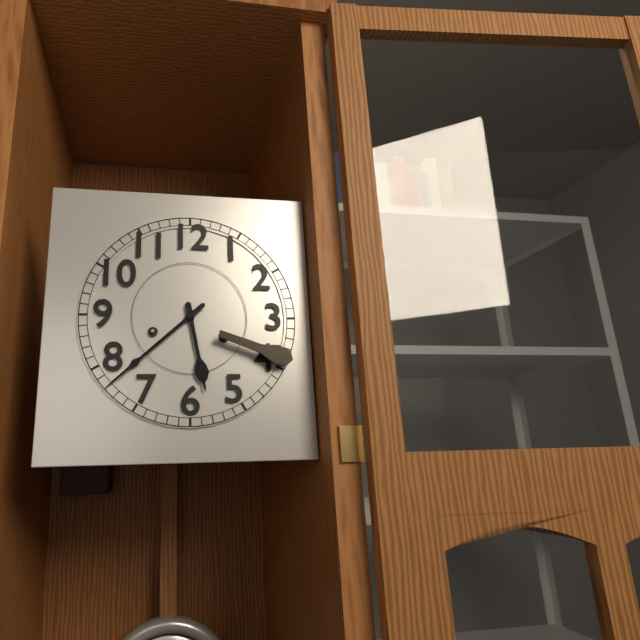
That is h=5 m=38
